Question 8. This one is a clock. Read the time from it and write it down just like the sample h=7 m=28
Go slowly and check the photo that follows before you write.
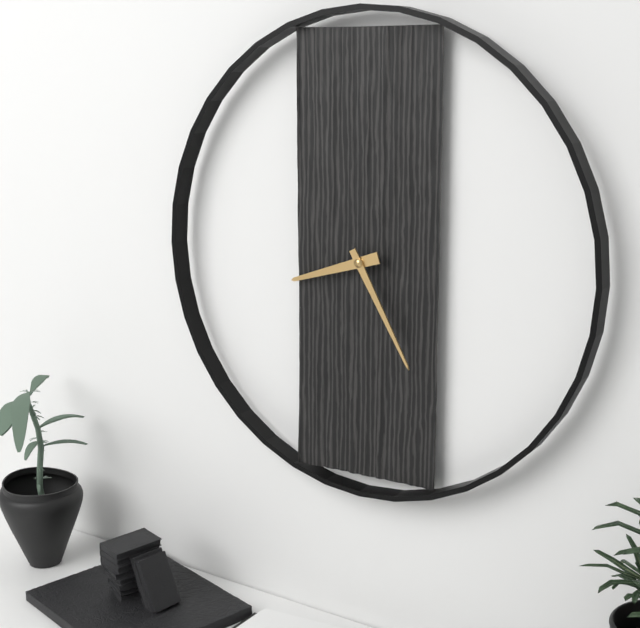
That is h=8 m=25
